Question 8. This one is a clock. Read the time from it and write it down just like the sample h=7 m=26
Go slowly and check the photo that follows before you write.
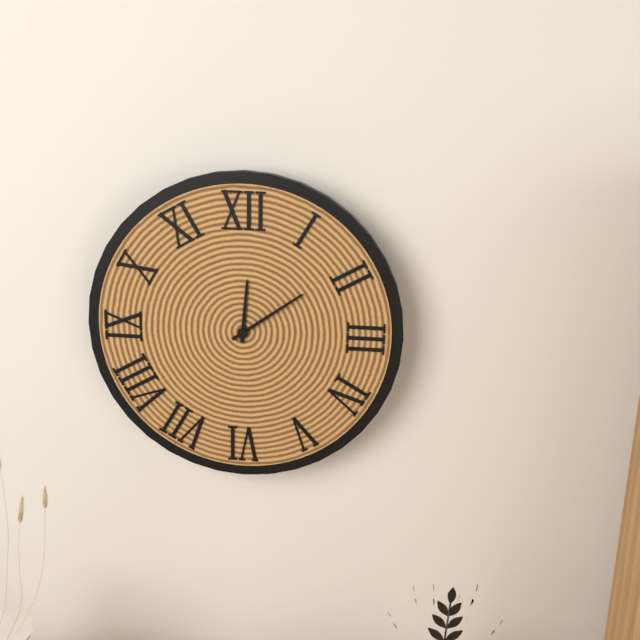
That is h=12 m=9
